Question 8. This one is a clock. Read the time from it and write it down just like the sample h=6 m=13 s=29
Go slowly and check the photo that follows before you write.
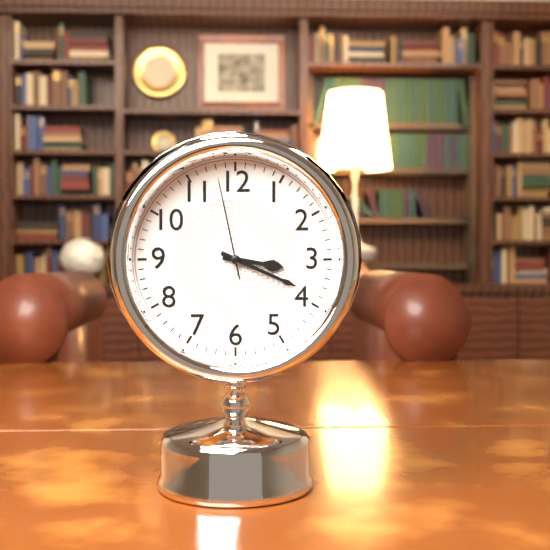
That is h=3 m=19 s=58
